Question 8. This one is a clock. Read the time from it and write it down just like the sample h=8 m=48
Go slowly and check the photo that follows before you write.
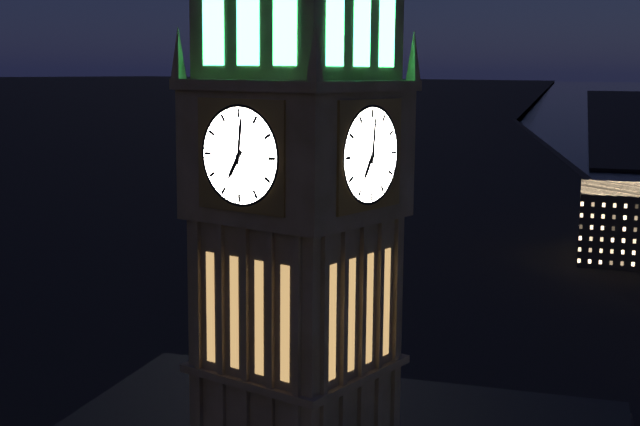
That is h=7 m=1
